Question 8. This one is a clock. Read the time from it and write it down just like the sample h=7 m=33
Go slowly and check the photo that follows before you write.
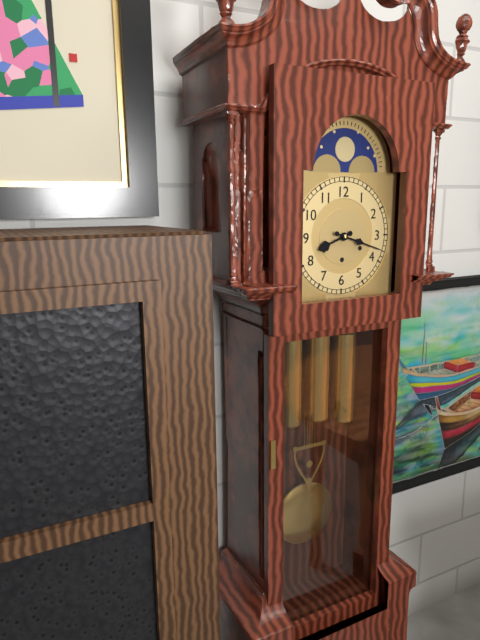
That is h=8 m=18
